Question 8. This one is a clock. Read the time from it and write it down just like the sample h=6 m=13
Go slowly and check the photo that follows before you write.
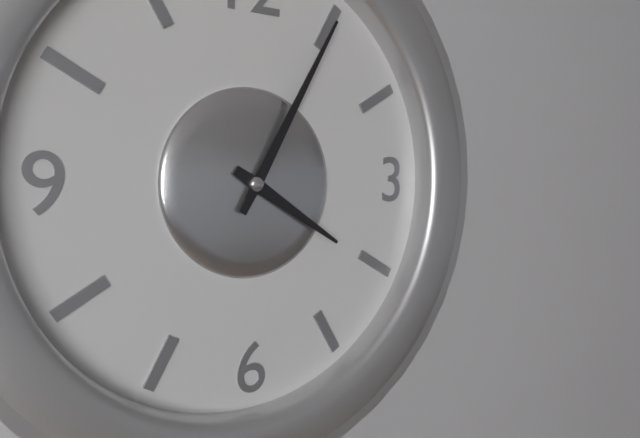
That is h=4 m=5
